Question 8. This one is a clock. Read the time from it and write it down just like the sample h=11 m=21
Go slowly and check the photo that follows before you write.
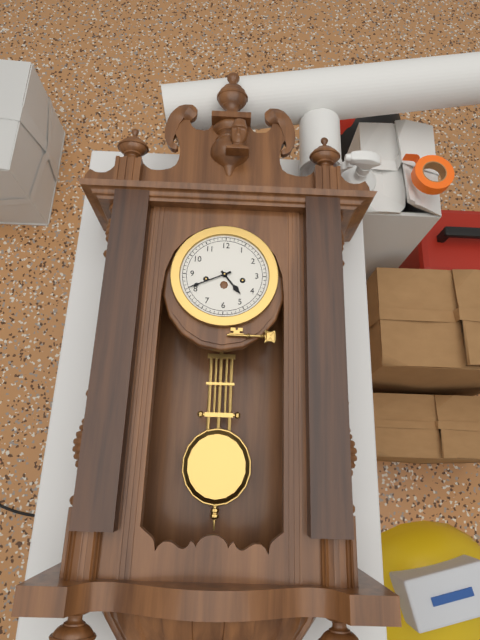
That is h=4 m=41
